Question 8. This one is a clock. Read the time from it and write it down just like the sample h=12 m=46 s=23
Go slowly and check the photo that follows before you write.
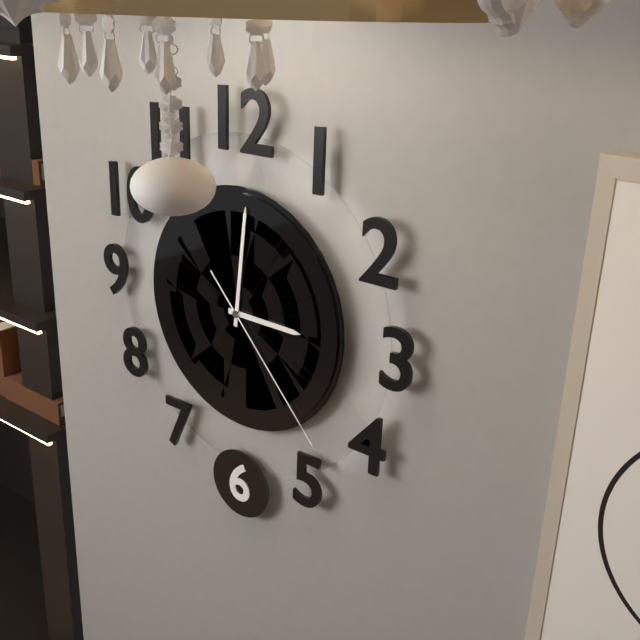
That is h=3 m=1 s=23
